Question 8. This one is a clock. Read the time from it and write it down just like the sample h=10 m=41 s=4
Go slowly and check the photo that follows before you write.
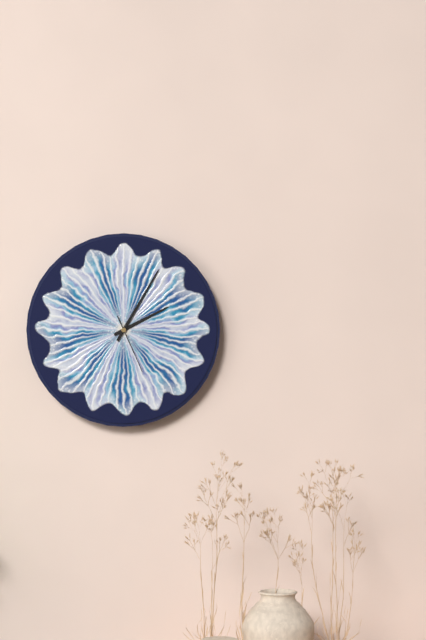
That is h=2 m=5 s=26
